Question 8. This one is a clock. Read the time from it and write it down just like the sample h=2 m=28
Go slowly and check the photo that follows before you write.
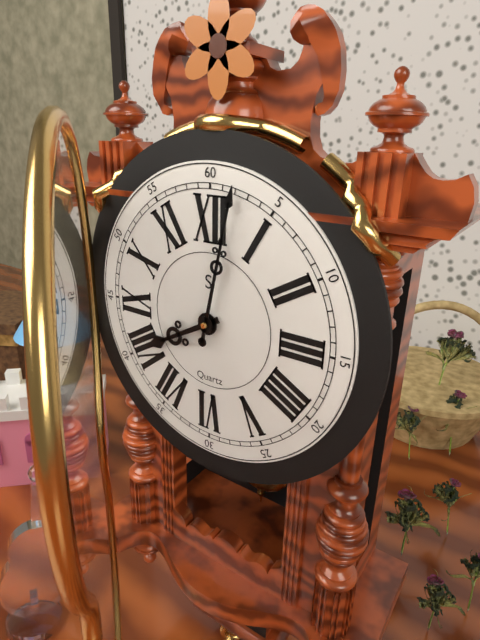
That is h=8 m=2
